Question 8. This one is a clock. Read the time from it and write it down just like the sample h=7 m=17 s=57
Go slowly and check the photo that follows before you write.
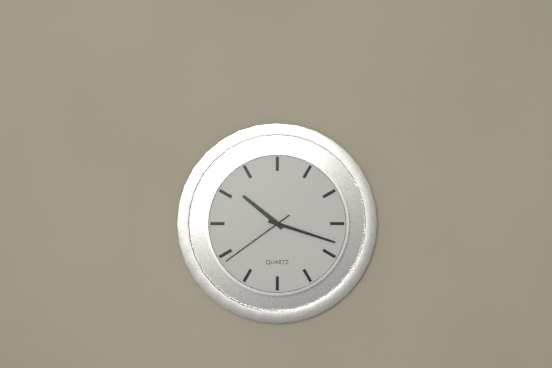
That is h=10 m=18 s=39
